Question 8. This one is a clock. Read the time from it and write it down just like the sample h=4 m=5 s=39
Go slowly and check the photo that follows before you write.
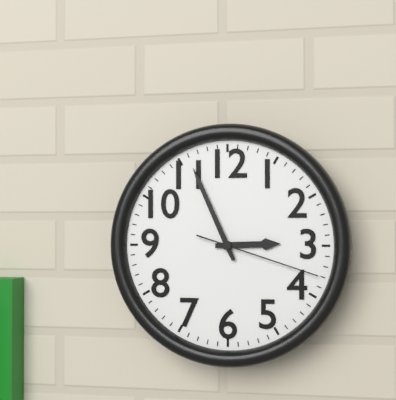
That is h=2 m=56 s=18
